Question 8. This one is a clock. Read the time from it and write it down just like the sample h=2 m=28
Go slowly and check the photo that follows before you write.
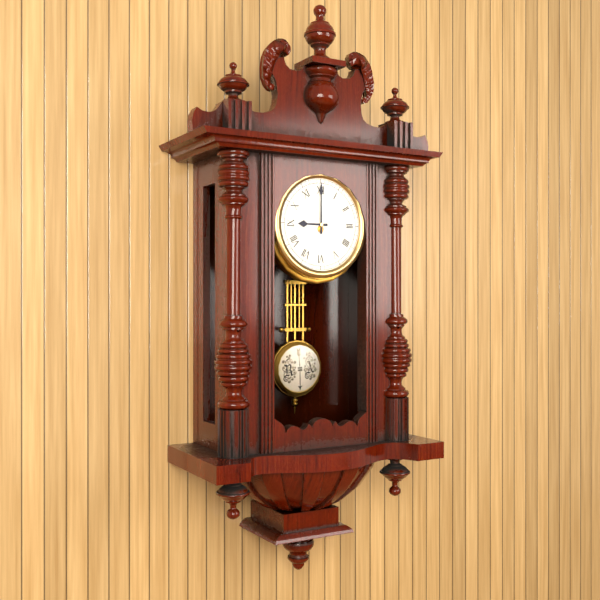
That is h=9 m=0
